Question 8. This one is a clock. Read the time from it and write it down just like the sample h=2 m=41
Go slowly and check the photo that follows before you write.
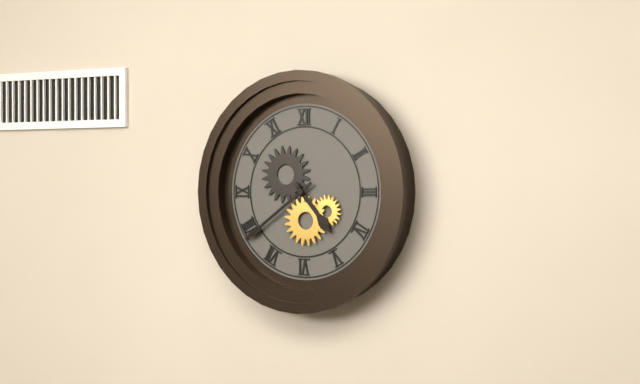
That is h=4 m=39
